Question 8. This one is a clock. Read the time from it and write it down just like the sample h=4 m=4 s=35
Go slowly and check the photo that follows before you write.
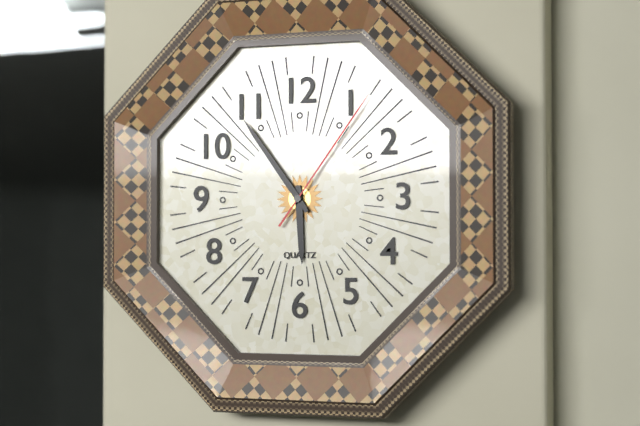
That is h=5 m=54 s=6
